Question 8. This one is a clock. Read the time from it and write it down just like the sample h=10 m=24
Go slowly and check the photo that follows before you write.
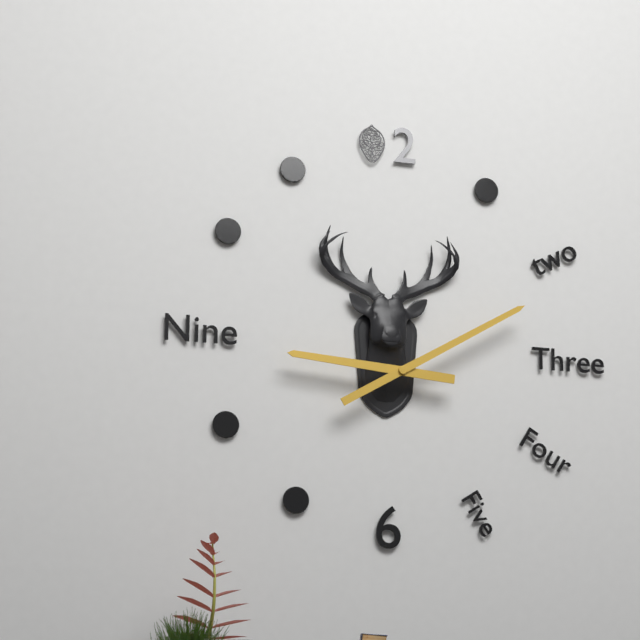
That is h=9 m=10
